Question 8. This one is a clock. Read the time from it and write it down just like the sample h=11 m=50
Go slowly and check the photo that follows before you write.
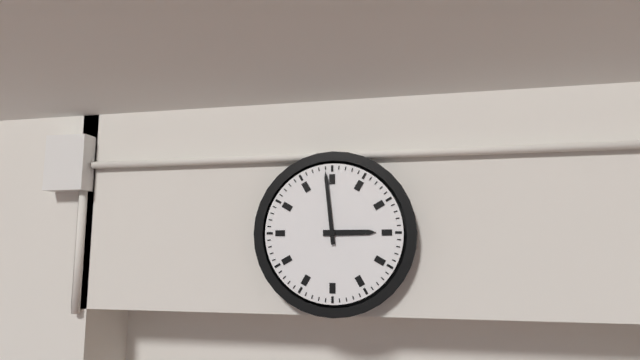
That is h=2 m=59
